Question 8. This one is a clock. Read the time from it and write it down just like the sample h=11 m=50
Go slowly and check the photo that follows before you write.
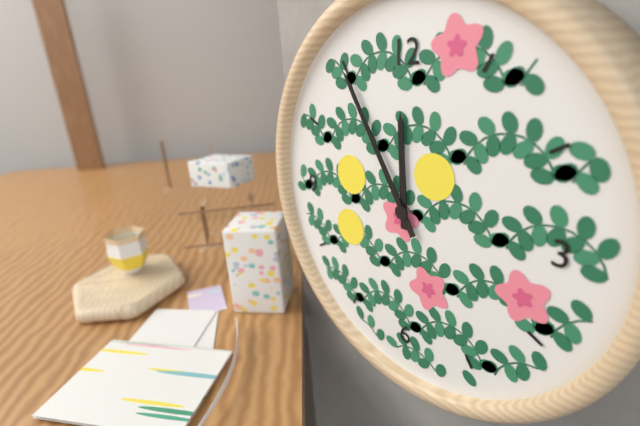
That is h=11 m=55
